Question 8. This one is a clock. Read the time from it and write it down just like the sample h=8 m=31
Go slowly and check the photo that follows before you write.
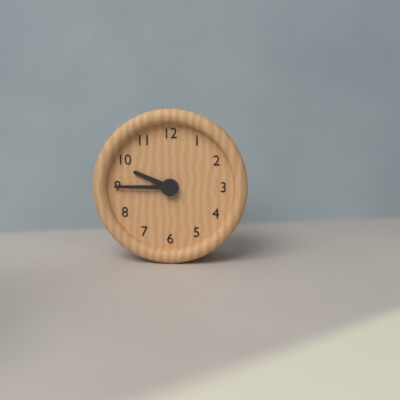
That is h=9 m=45
